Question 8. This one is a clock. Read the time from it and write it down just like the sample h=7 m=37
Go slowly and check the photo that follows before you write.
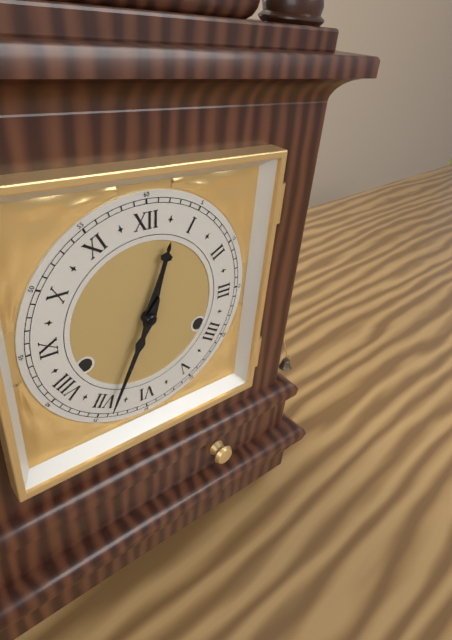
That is h=12 m=34
